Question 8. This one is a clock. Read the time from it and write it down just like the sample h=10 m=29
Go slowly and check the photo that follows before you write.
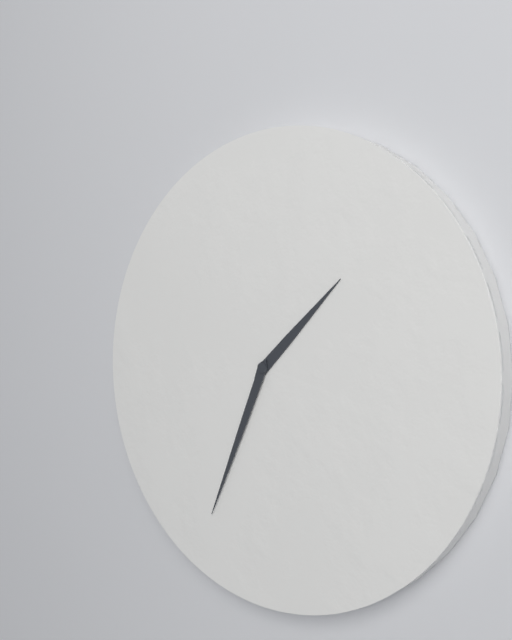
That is h=1 m=34
